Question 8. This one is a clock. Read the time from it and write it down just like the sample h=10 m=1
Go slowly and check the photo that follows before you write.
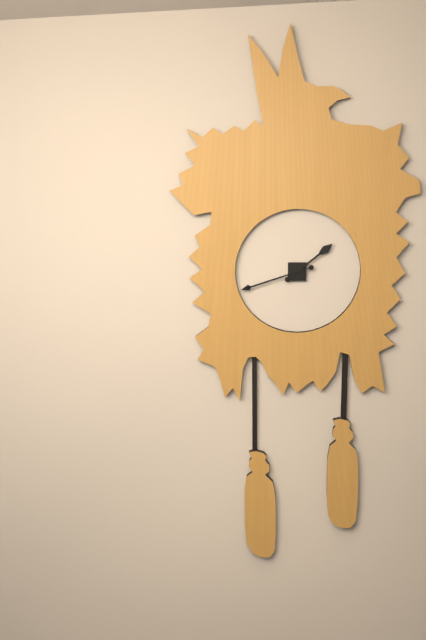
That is h=1 m=42
